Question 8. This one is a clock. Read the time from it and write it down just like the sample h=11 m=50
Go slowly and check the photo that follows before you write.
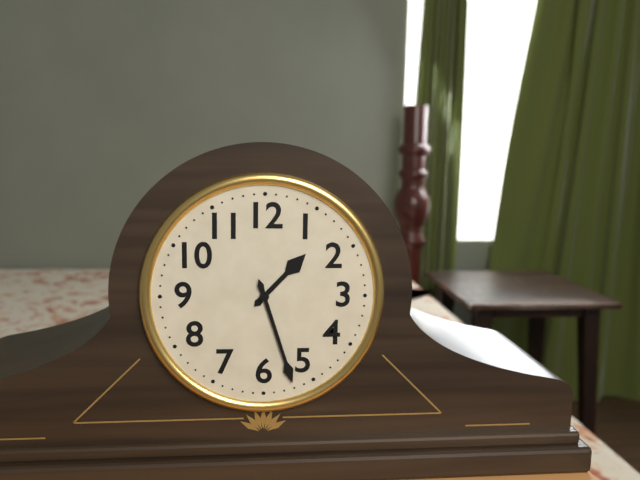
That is h=1 m=27
